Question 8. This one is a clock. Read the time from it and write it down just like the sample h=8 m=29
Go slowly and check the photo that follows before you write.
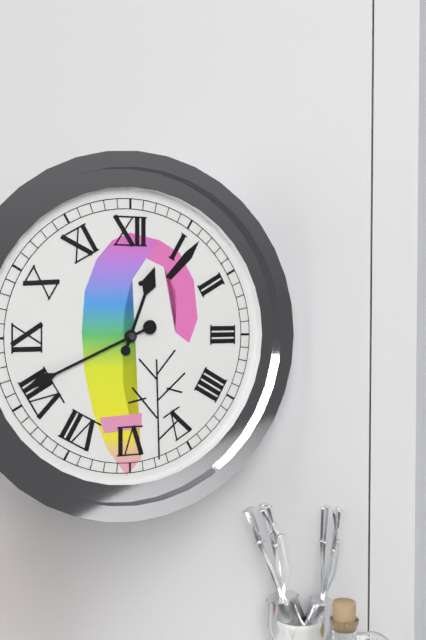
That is h=12 m=41
